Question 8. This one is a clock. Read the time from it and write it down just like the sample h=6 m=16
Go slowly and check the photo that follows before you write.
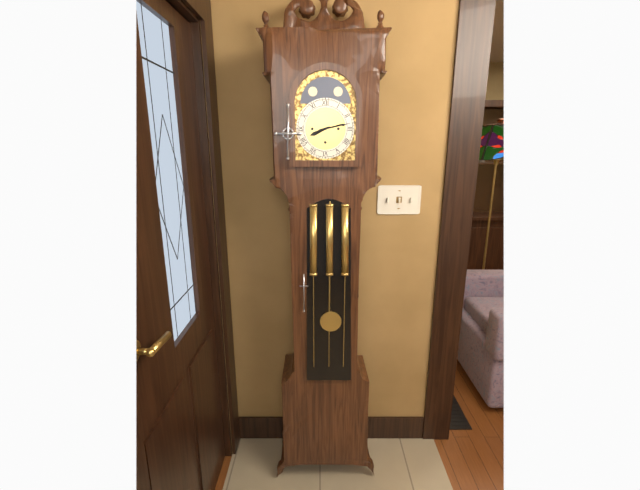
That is h=8 m=13
